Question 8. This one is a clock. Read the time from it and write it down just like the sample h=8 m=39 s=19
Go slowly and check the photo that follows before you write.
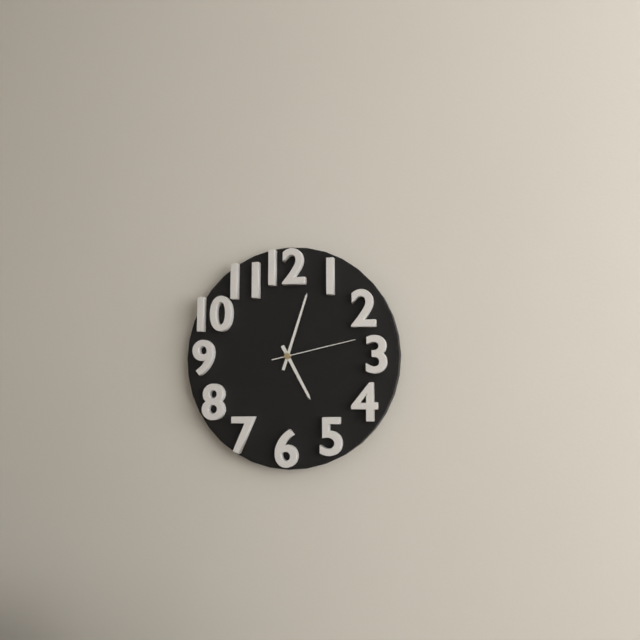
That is h=5 m=3 s=13
